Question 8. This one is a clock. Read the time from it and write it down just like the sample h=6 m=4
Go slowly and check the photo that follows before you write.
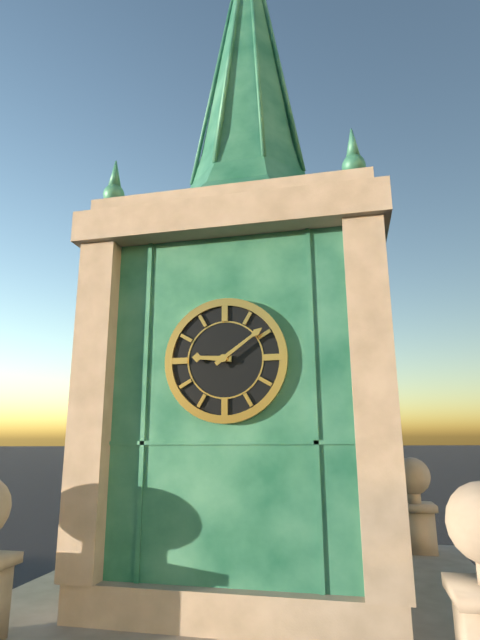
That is h=9 m=9
